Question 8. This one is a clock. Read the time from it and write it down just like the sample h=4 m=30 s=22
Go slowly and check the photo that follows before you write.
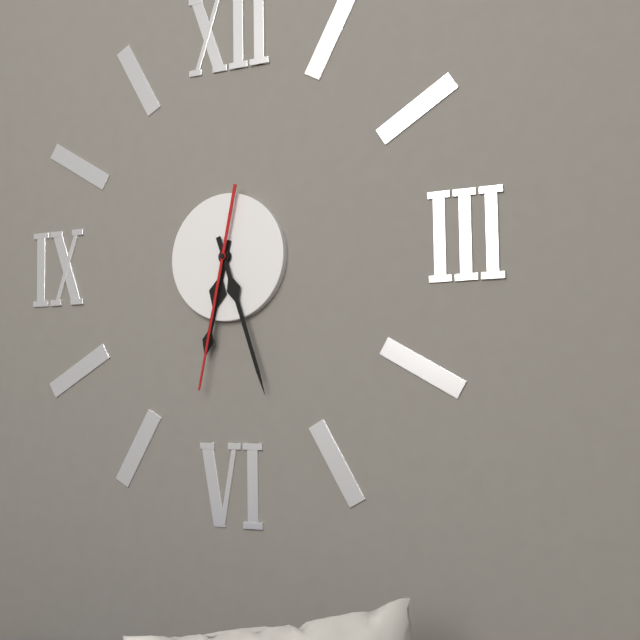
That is h=6 m=27 s=32
